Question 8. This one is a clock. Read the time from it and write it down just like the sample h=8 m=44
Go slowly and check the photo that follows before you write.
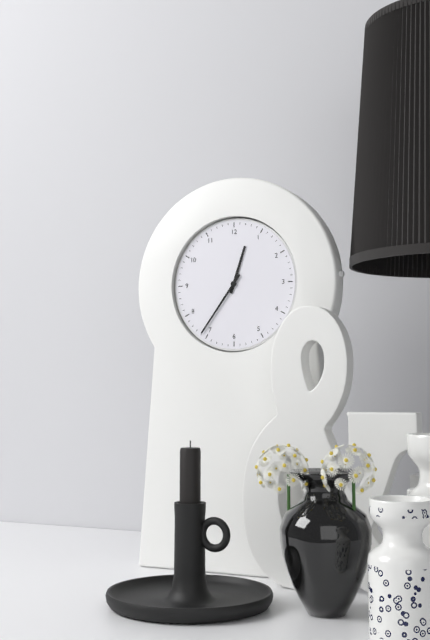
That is h=12 m=36
